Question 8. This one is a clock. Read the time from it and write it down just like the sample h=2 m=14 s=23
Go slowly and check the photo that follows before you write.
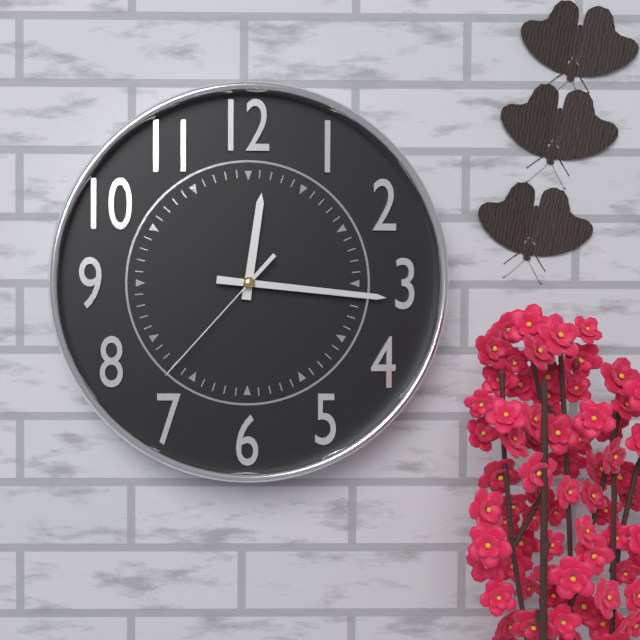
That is h=12 m=16 s=37
